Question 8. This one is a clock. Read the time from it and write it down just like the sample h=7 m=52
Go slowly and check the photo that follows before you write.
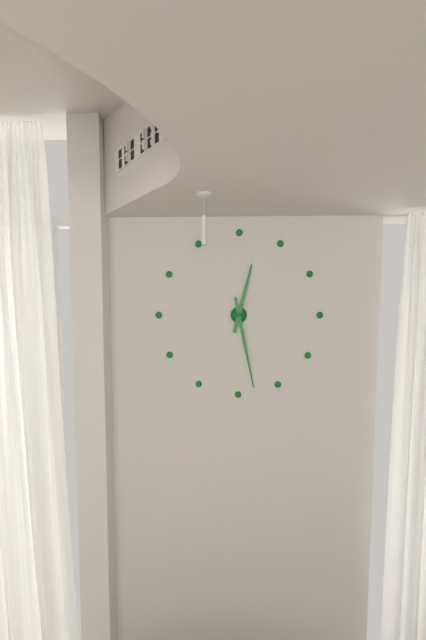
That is h=12 m=28
